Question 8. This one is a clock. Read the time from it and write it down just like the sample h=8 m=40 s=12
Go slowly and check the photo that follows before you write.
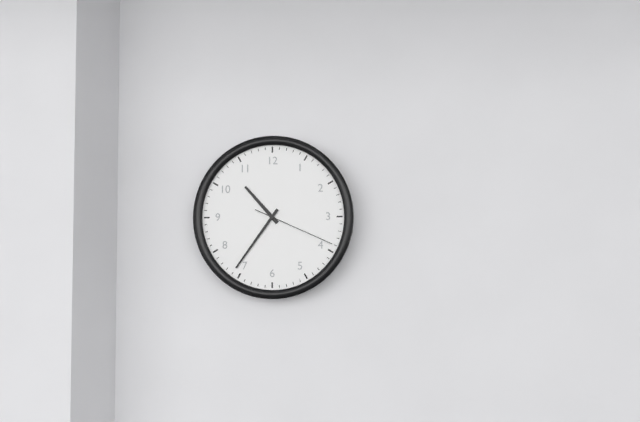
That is h=10 m=36 s=19
